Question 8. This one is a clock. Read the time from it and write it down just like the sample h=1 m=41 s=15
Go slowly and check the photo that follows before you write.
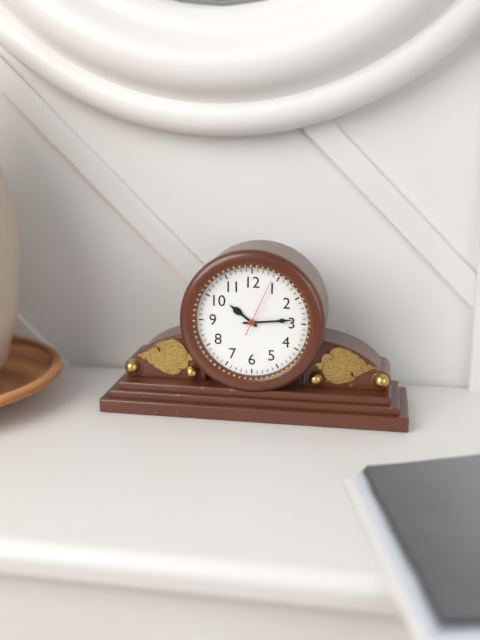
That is h=10 m=14 s=4
